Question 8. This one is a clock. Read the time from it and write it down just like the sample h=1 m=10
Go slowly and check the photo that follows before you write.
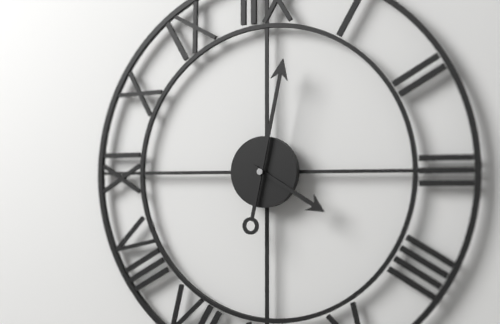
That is h=4 m=2
